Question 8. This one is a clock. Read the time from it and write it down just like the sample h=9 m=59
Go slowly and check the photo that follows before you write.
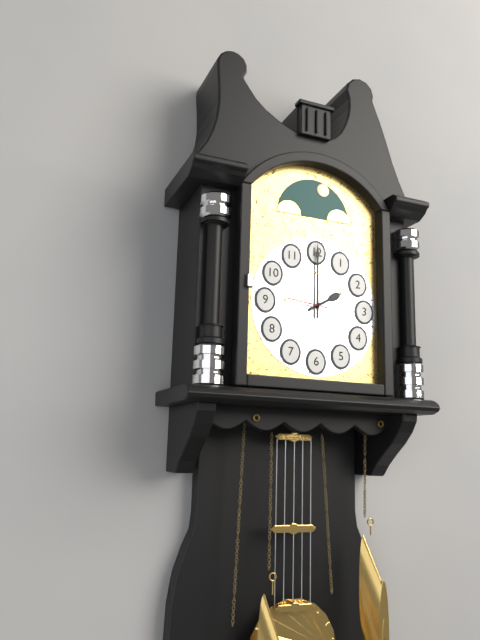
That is h=2 m=0
